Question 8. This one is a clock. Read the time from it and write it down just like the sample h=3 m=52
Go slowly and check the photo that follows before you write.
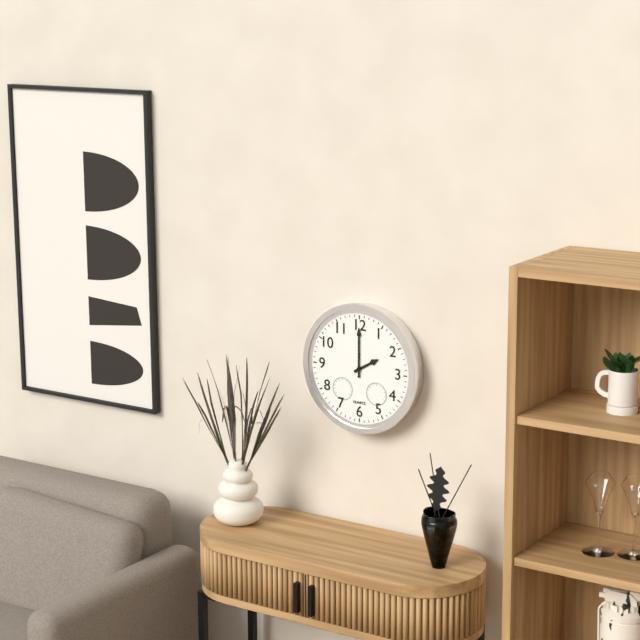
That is h=2 m=0
